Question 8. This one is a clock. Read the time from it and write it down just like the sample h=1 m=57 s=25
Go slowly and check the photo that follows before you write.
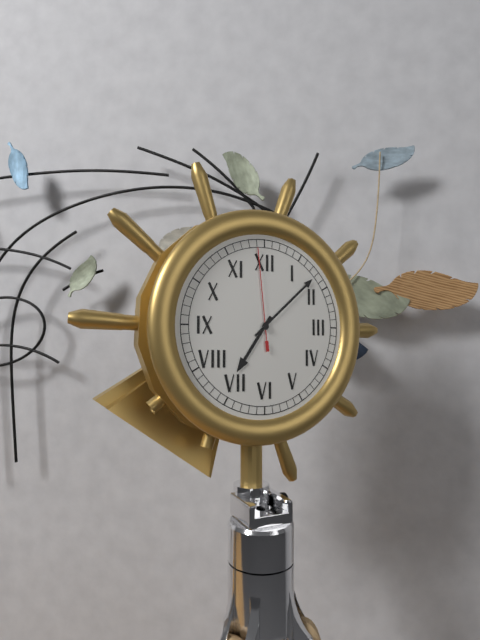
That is h=7 m=8 s=59
